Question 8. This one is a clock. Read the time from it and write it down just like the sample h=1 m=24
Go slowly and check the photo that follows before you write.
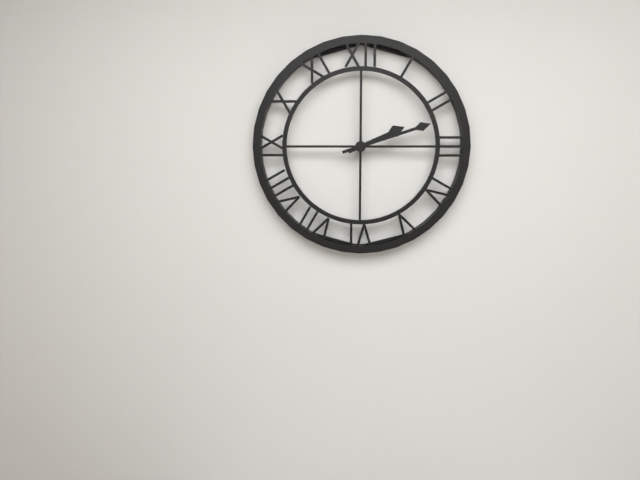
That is h=2 m=12
